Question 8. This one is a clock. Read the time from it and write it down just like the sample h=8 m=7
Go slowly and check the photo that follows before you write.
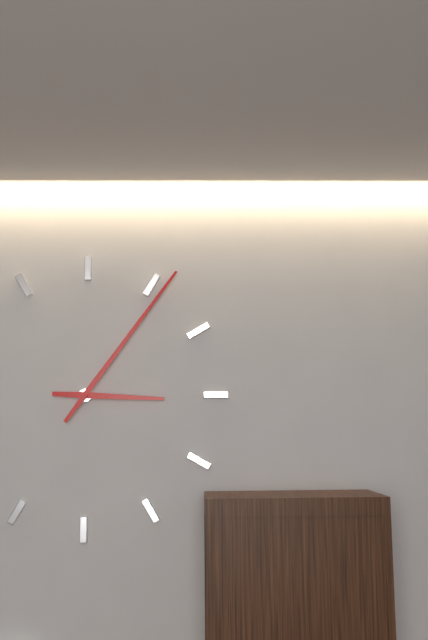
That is h=3 m=6
